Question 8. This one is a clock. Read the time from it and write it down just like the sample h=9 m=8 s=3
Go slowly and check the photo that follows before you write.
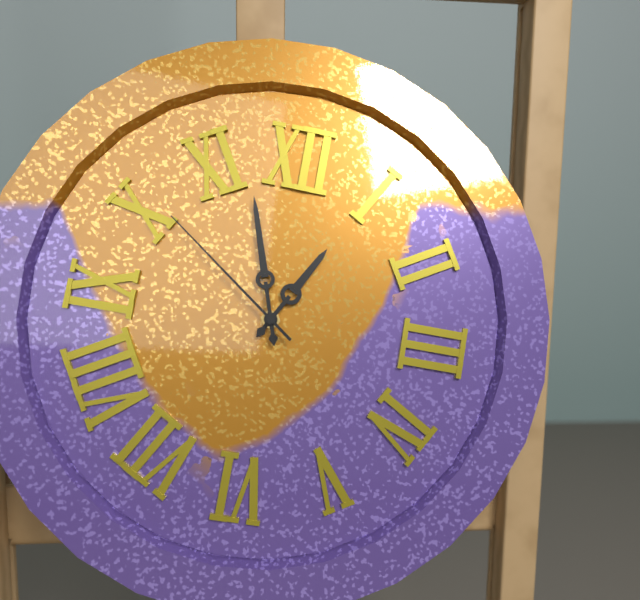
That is h=12 m=57 s=51
